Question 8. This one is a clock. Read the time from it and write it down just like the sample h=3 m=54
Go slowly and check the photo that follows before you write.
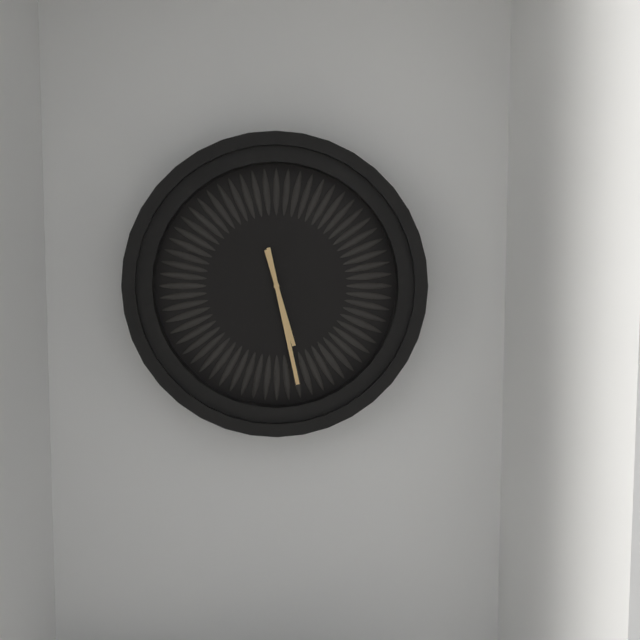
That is h=5 m=28
